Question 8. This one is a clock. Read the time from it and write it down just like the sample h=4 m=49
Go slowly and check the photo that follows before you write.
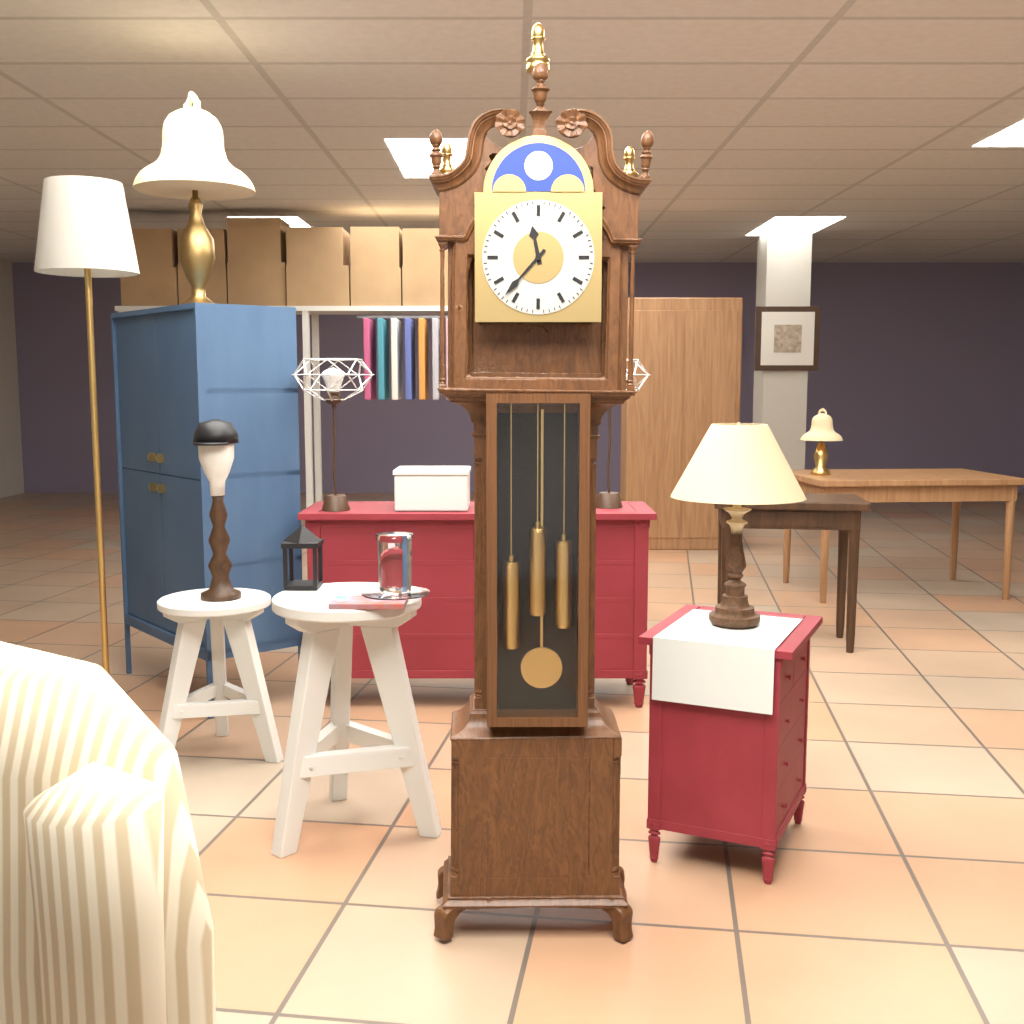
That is h=11 m=37
